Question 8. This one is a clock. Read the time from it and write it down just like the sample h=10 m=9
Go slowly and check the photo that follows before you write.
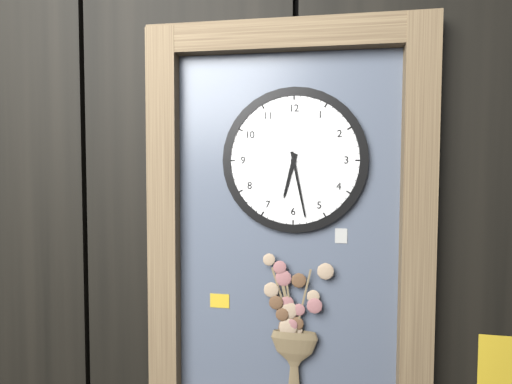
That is h=6 m=28
